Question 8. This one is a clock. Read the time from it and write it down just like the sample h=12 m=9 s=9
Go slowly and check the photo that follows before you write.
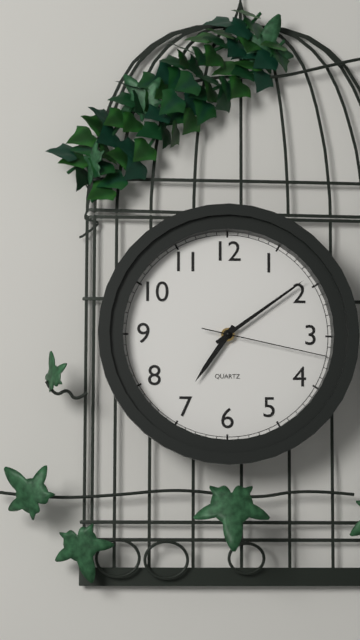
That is h=7 m=9 s=17
